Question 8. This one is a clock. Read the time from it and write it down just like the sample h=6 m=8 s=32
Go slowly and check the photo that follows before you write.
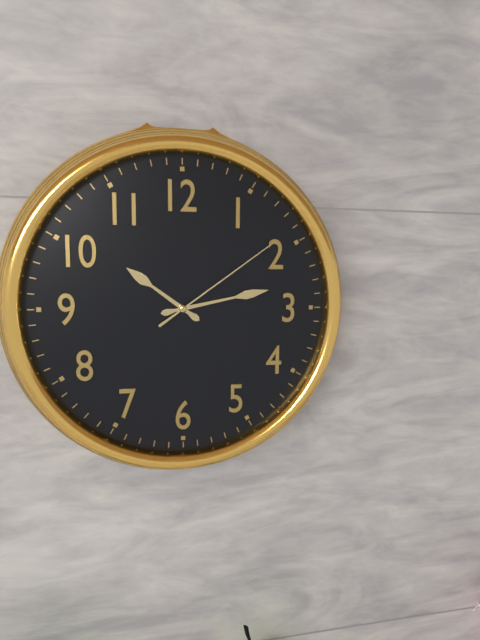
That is h=10 m=13 s=9
